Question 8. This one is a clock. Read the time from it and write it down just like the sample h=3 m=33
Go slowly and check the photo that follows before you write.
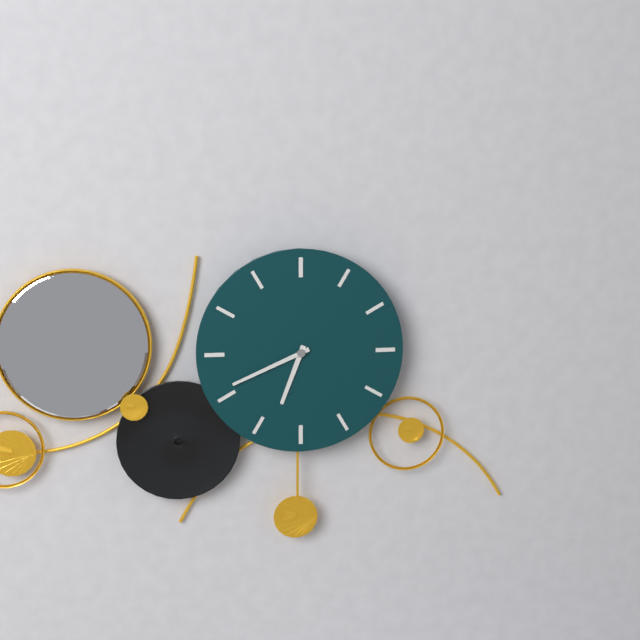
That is h=6 m=41
